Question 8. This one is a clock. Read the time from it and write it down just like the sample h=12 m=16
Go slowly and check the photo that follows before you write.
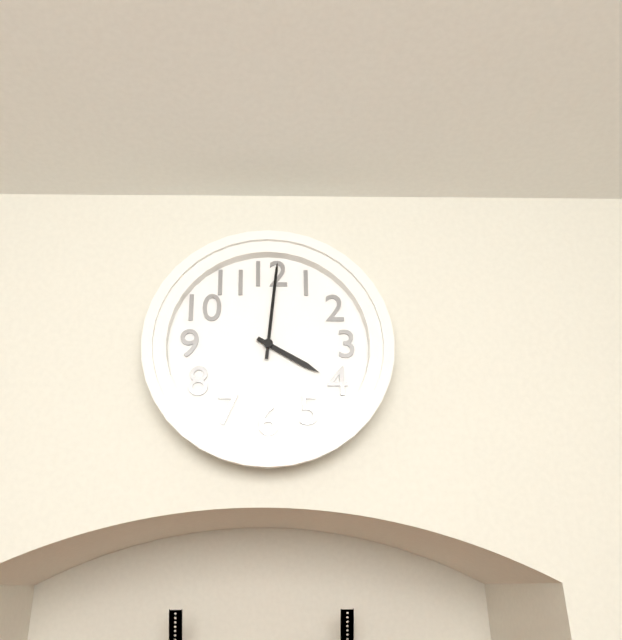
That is h=4 m=1
